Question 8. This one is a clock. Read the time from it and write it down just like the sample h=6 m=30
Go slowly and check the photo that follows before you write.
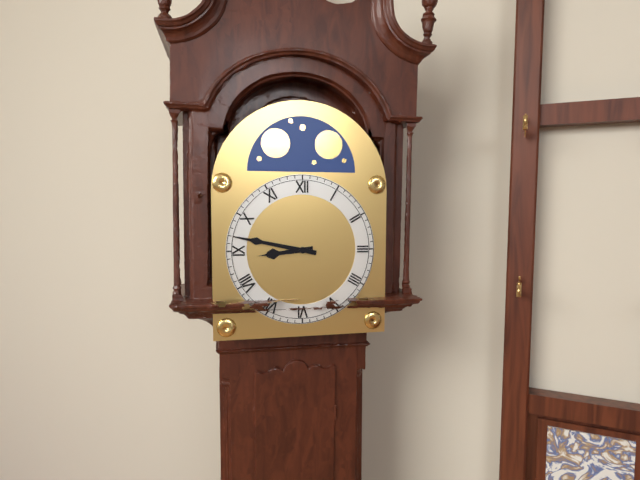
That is h=8 m=47
